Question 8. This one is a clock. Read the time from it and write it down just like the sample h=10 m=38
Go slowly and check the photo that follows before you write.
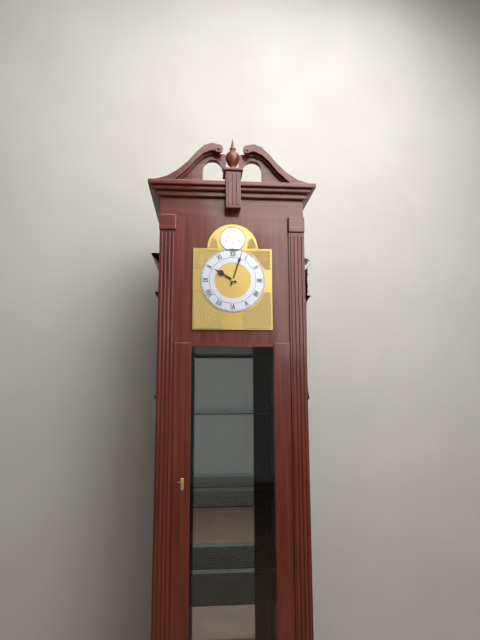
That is h=10 m=3
